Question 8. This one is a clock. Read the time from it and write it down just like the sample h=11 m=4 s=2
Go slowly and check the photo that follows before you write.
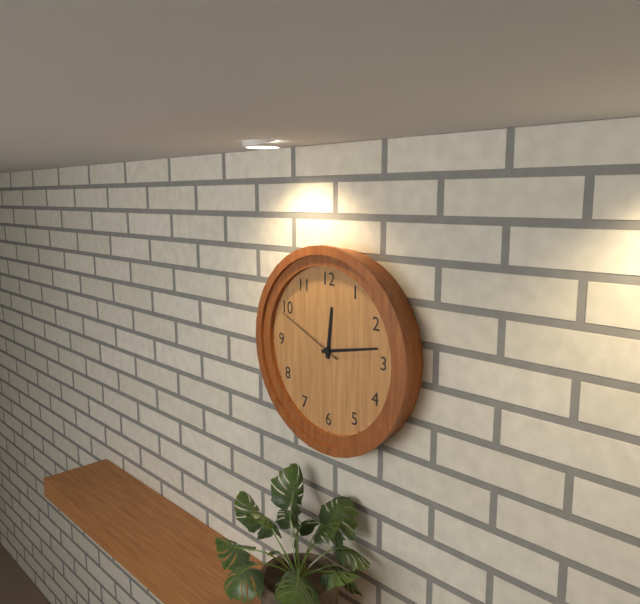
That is h=12 m=13 s=49
